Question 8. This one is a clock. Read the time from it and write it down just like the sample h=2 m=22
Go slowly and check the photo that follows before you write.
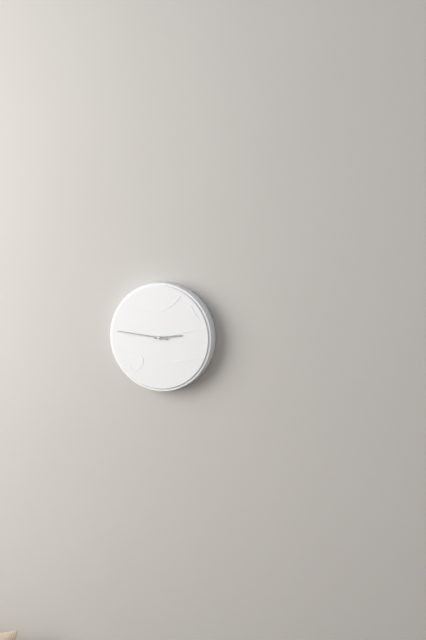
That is h=2 m=46
